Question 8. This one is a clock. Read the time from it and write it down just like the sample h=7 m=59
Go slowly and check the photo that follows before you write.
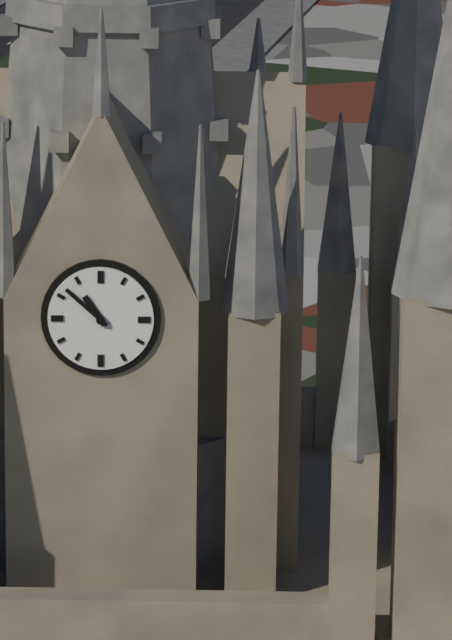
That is h=10 m=52
